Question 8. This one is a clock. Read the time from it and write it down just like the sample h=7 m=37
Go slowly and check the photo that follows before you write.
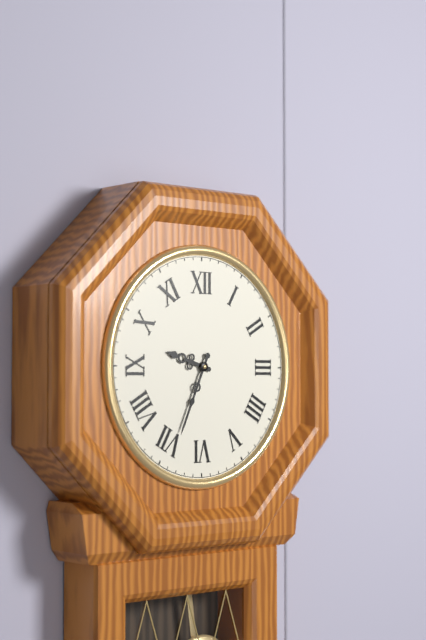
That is h=9 m=34
